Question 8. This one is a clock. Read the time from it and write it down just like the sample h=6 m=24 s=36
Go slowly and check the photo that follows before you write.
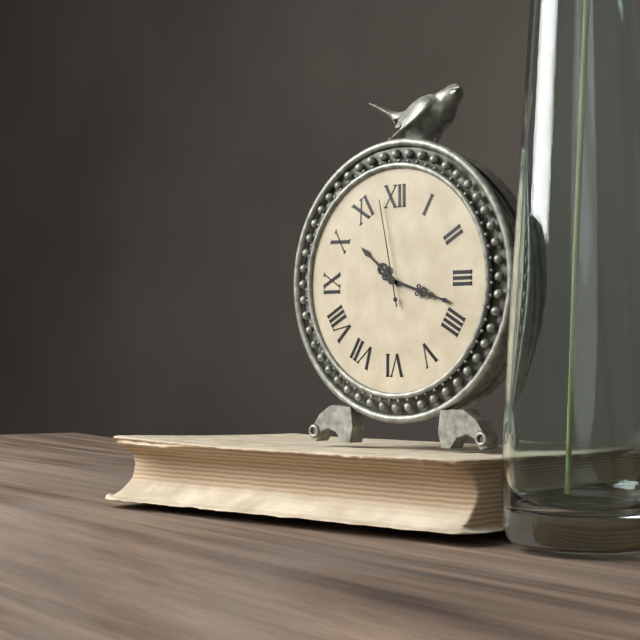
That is h=10 m=18 s=58
